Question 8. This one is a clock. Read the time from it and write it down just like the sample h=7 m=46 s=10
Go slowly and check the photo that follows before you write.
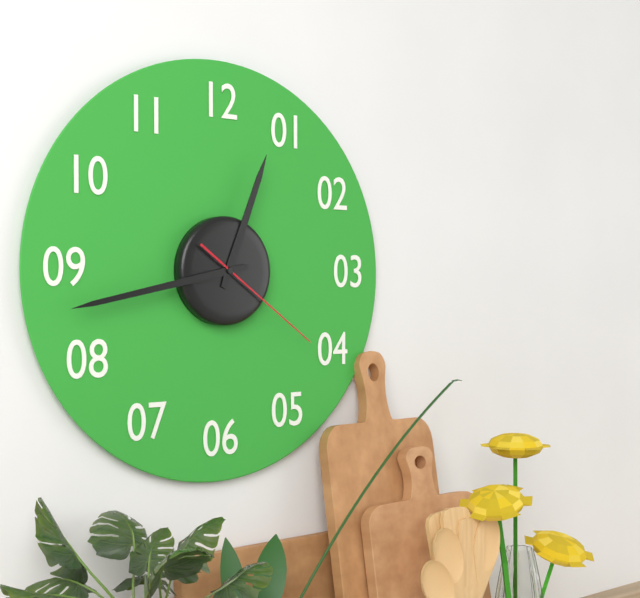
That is h=12 m=43 s=21
